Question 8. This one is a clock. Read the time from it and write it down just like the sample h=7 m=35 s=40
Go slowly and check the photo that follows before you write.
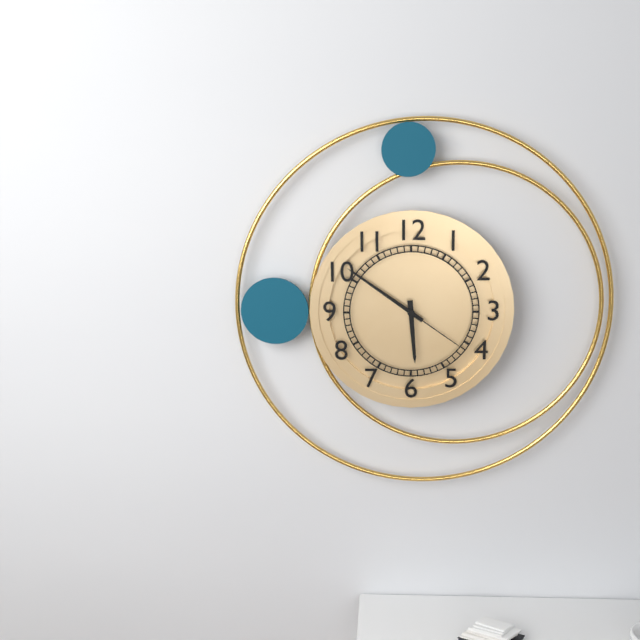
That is h=5 m=51 s=21
